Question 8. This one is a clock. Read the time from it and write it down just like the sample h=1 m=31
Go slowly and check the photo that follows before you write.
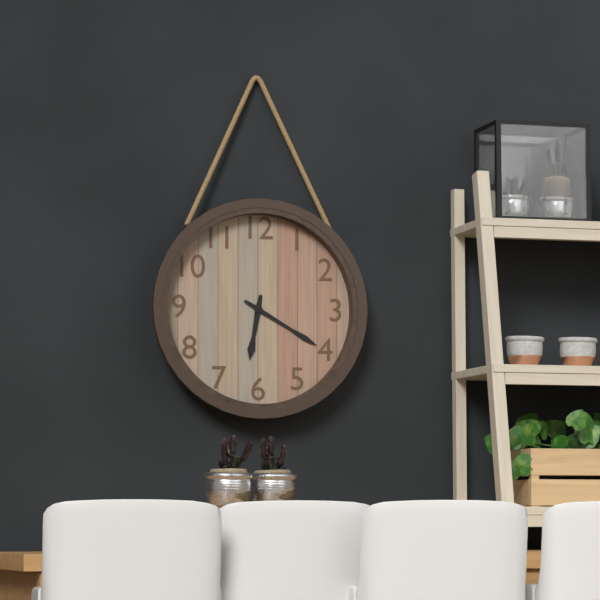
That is h=6 m=20
